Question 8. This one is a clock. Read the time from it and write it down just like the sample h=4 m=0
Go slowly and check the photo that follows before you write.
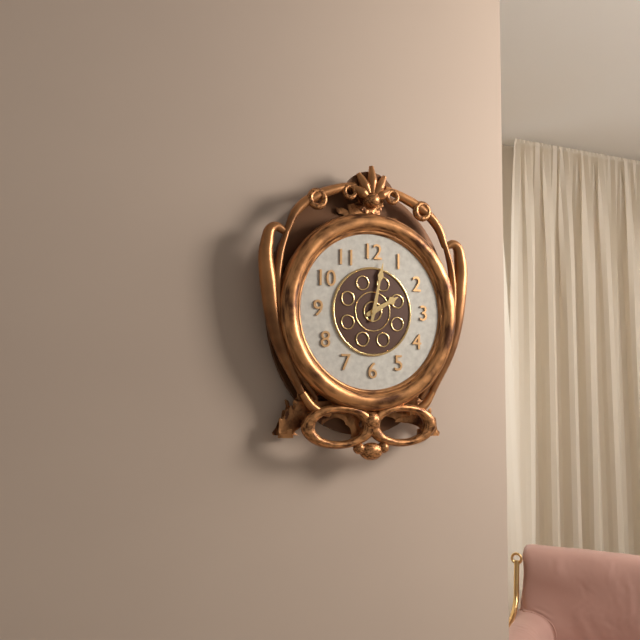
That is h=2 m=2
